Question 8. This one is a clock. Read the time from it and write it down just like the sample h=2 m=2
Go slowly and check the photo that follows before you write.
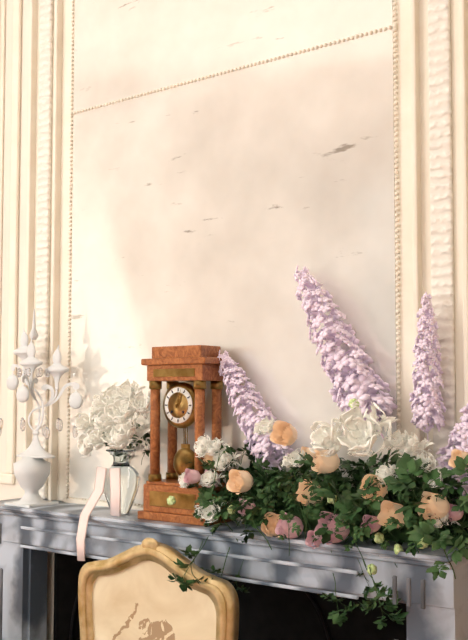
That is h=1 m=3
